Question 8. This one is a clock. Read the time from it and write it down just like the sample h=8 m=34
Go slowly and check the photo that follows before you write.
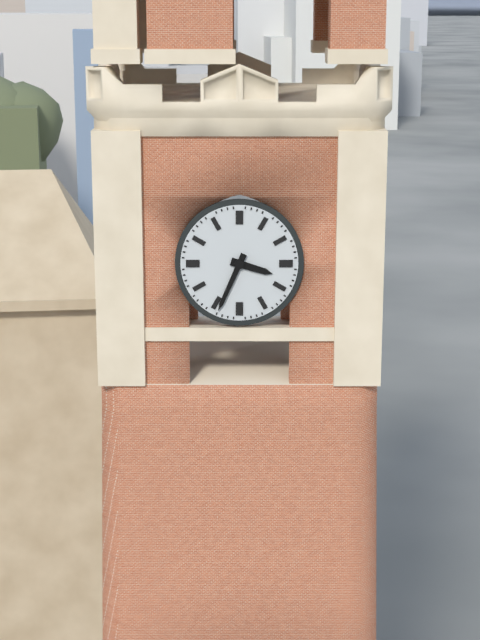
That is h=3 m=34
